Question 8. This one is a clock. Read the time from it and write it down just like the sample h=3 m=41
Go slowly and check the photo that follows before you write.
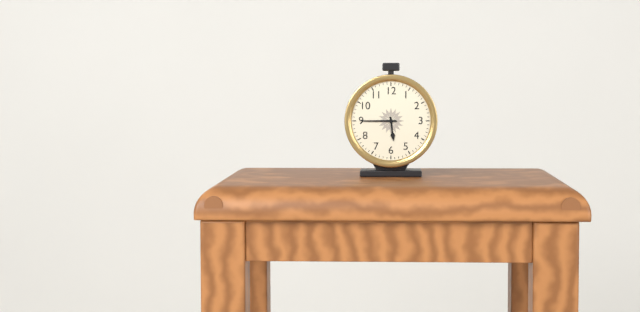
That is h=5 m=45
